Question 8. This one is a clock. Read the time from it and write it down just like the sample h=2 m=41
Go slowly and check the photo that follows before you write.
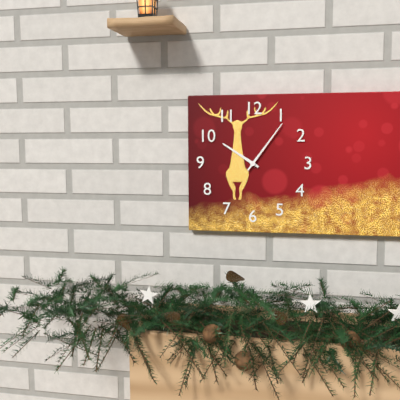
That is h=10 m=6
